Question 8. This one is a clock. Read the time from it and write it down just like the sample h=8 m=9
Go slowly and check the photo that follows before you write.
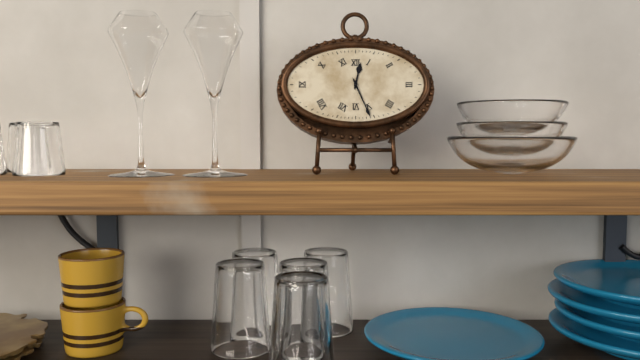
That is h=12 m=26
